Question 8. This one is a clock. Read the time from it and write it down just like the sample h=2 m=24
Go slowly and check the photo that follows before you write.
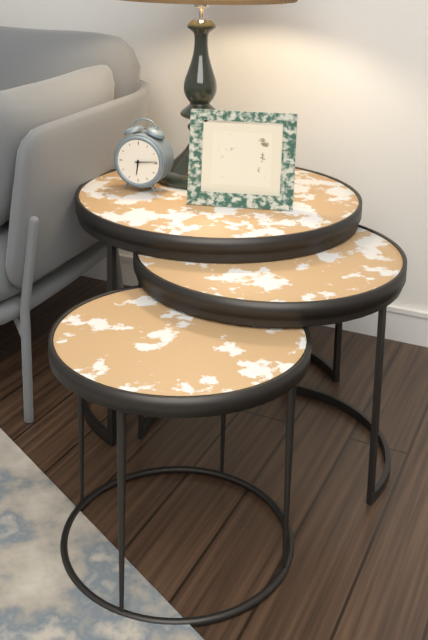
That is h=6 m=14
